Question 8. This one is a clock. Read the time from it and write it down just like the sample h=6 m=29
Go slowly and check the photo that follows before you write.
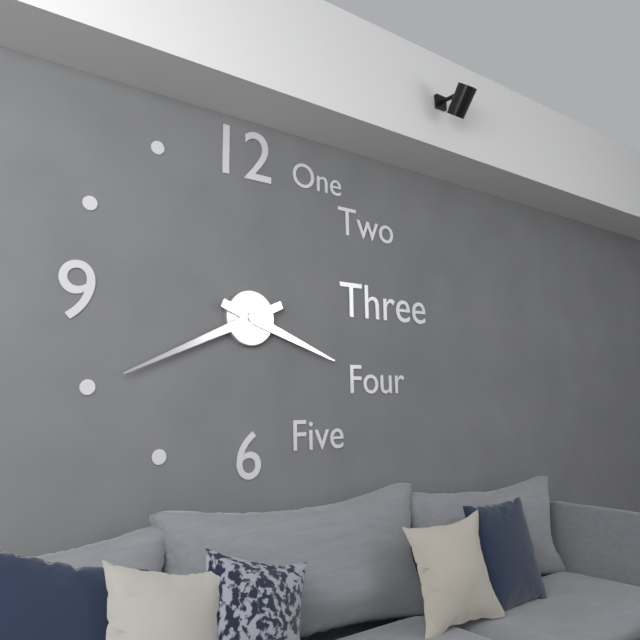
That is h=3 m=41
